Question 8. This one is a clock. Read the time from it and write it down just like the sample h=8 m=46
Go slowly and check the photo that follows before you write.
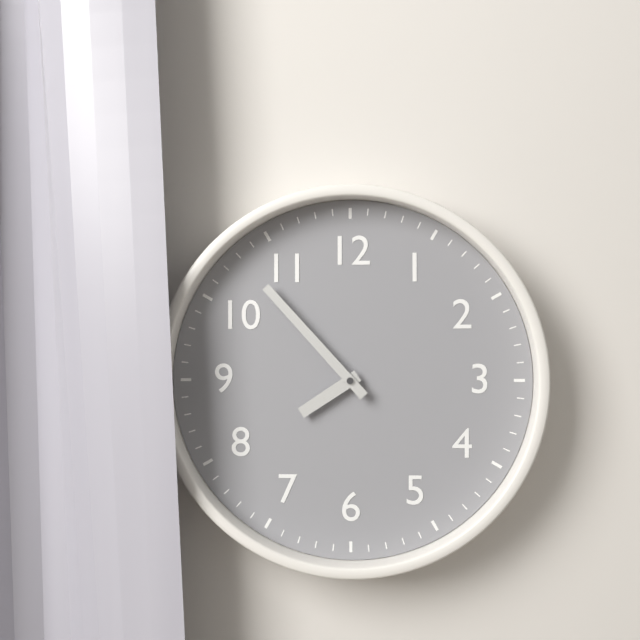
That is h=7 m=53
